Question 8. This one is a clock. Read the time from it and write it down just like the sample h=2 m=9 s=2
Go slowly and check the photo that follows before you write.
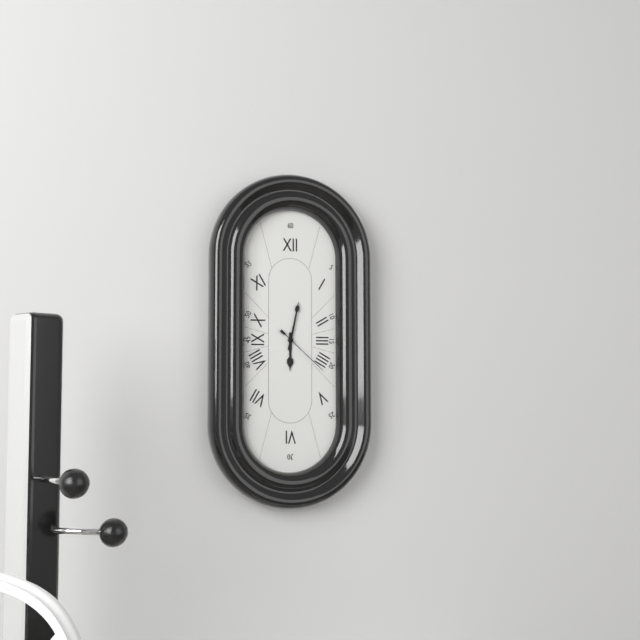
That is h=6 m=2 s=22
